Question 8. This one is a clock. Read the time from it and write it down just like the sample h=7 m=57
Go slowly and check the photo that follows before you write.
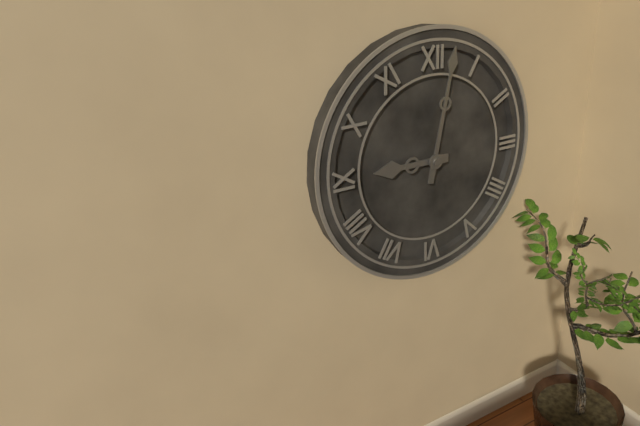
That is h=9 m=2
